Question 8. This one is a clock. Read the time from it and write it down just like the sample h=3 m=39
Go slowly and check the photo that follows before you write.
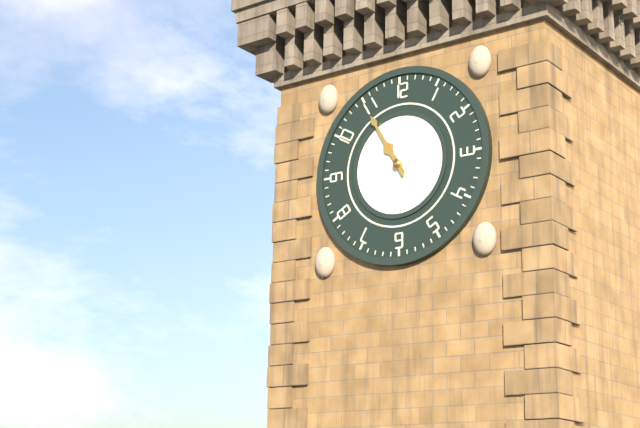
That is h=10 m=55
